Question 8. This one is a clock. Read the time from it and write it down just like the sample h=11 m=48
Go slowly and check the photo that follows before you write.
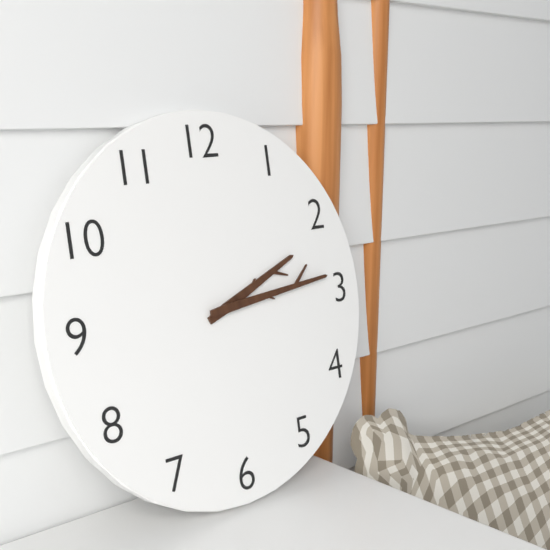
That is h=2 m=14
